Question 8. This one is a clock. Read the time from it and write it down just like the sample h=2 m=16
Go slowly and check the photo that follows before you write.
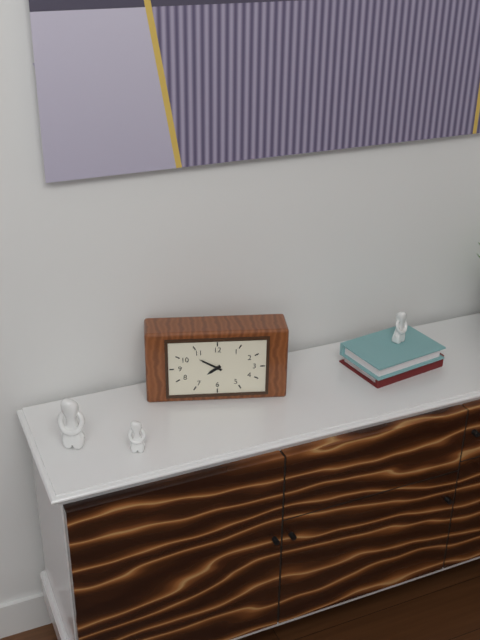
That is h=7 m=50
